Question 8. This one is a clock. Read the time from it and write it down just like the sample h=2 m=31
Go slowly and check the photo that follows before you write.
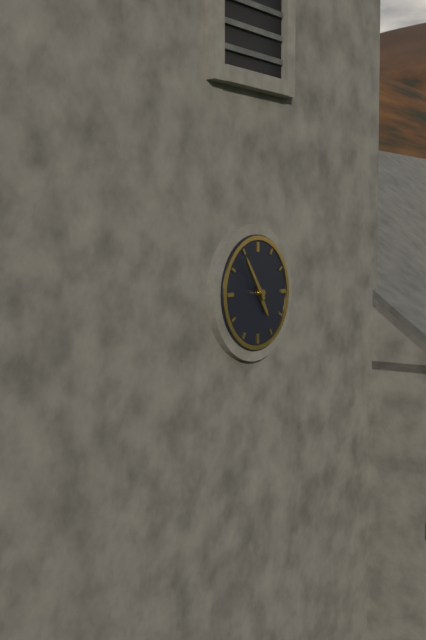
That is h=4 m=54
